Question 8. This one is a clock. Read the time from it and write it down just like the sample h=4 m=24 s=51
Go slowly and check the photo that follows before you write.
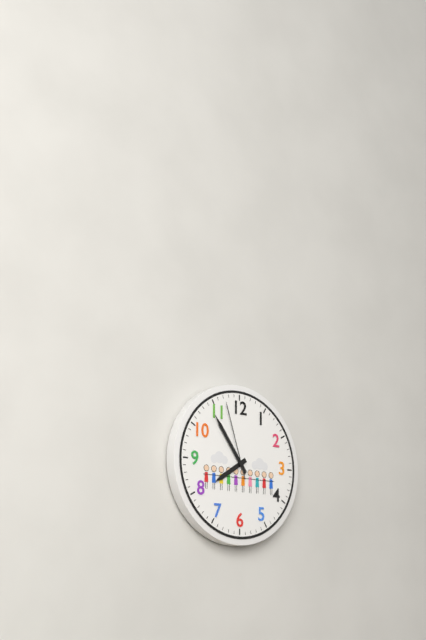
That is h=7 m=54 s=57
